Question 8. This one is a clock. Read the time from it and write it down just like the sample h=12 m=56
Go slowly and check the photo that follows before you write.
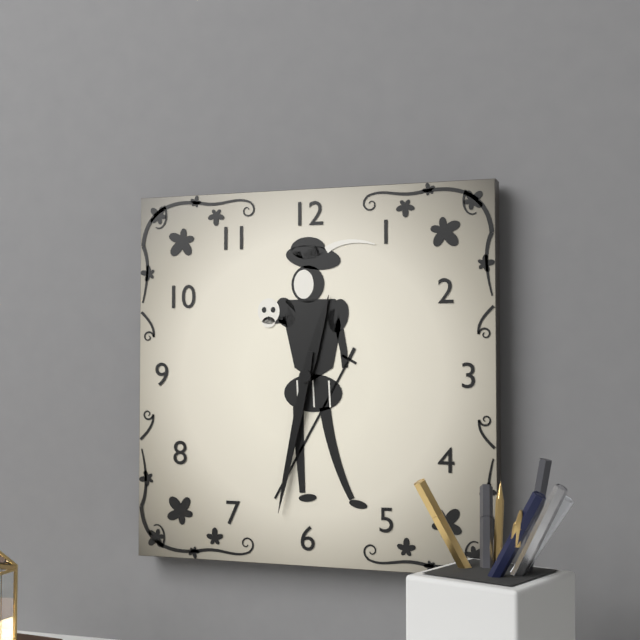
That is h=12 m=32
